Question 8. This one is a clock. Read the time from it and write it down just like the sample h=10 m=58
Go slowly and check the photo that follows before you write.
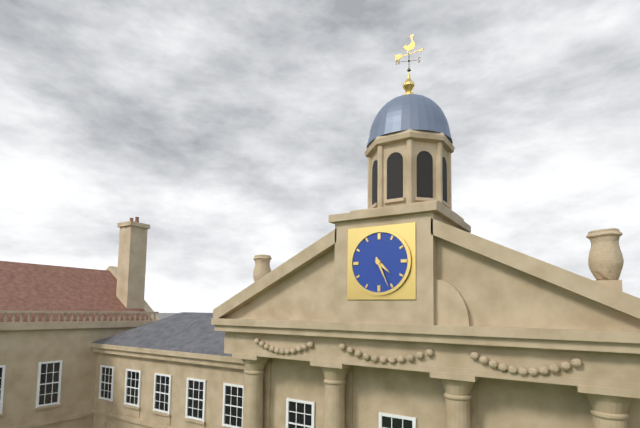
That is h=4 m=26
